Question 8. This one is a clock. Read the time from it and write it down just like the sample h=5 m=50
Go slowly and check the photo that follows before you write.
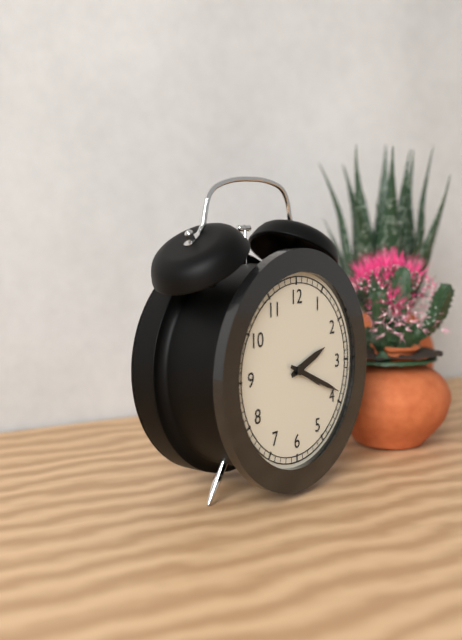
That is h=2 m=19
